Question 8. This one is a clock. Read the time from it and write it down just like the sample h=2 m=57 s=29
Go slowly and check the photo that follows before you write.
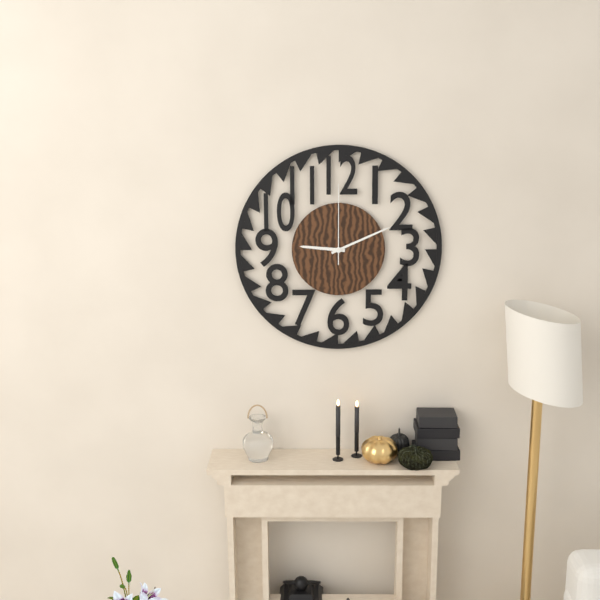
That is h=9 m=11 s=0
